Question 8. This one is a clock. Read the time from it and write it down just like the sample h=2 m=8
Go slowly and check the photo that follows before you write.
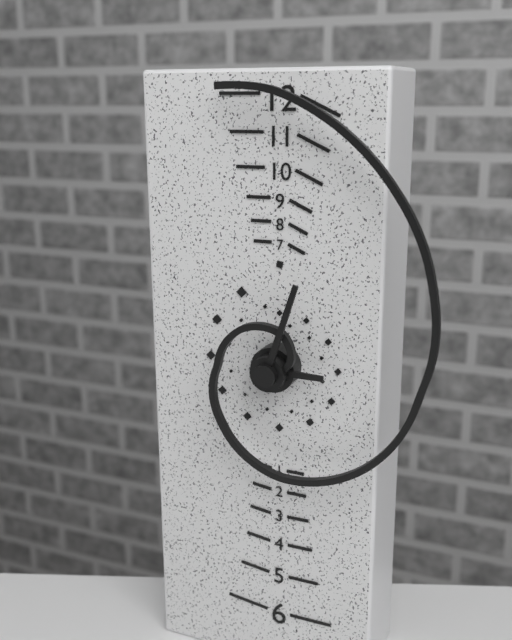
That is h=3 m=3
